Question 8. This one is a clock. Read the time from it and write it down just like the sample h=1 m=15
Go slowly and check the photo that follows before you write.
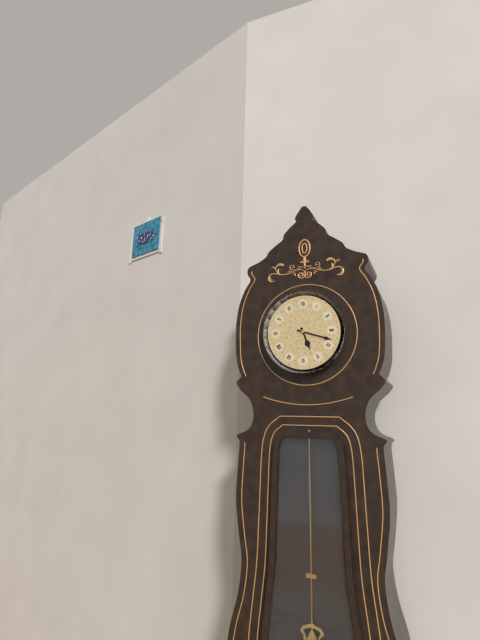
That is h=5 m=18
